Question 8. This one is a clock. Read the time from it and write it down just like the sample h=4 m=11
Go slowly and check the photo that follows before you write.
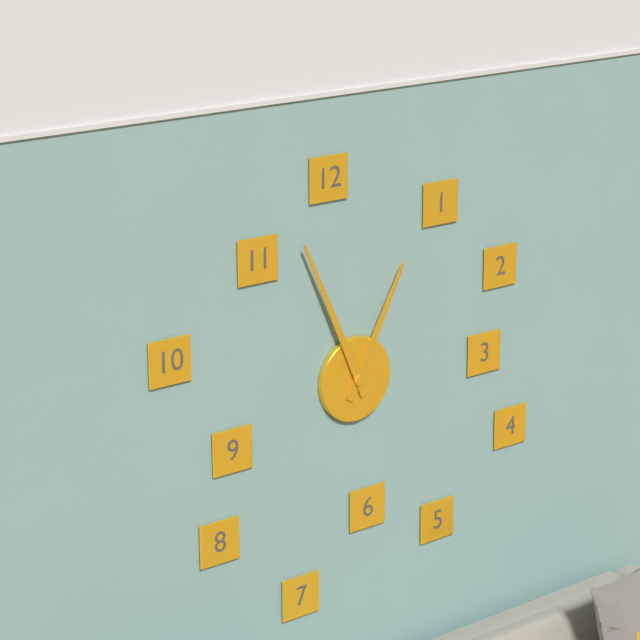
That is h=12 m=56
